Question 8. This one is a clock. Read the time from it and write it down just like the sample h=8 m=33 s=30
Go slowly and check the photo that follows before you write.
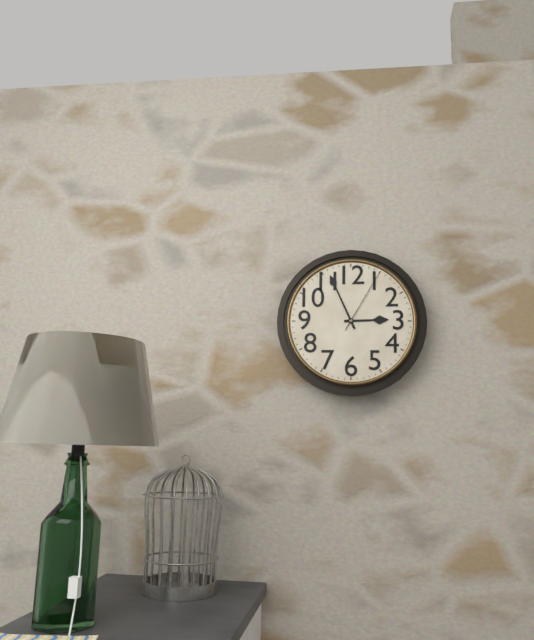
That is h=2 m=56 s=5
